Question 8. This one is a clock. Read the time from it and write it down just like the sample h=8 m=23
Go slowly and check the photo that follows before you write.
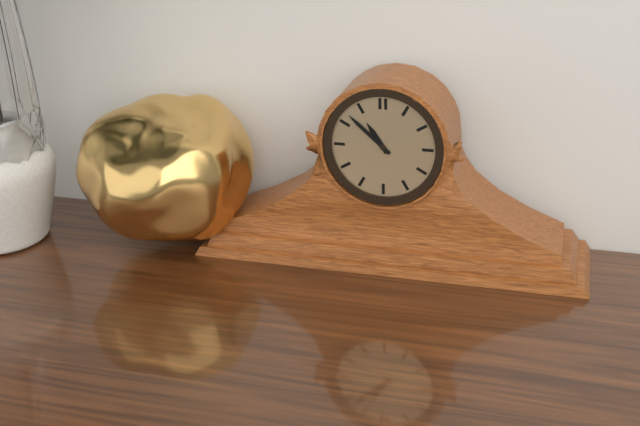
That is h=10 m=52
